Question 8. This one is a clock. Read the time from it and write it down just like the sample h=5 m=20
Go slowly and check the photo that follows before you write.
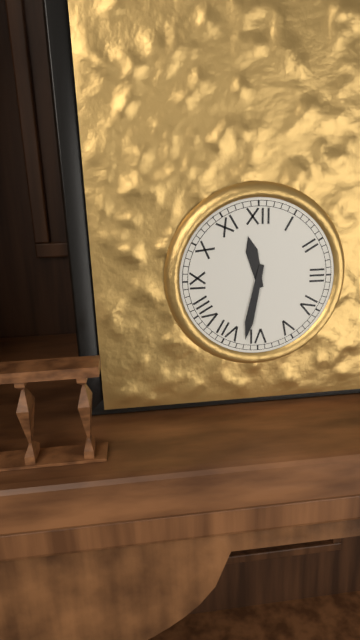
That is h=11 m=32
